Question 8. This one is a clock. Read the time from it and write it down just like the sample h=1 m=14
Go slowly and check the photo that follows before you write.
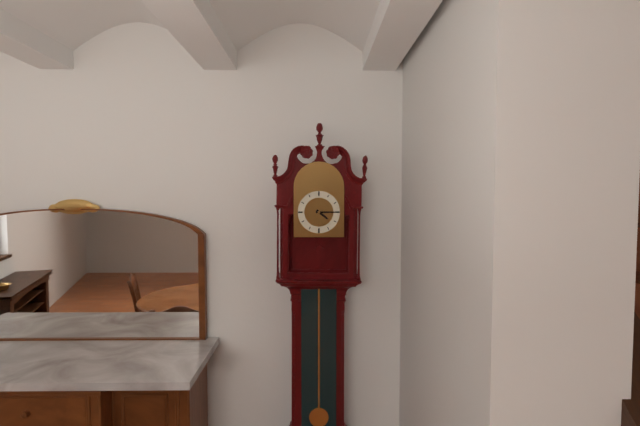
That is h=4 m=15
